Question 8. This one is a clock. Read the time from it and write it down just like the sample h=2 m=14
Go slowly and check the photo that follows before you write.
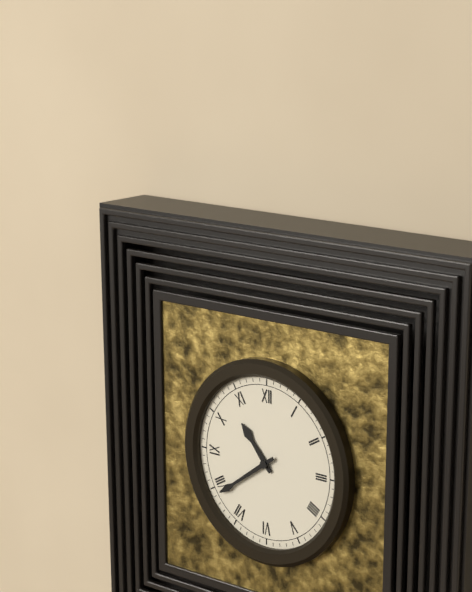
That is h=10 m=39
